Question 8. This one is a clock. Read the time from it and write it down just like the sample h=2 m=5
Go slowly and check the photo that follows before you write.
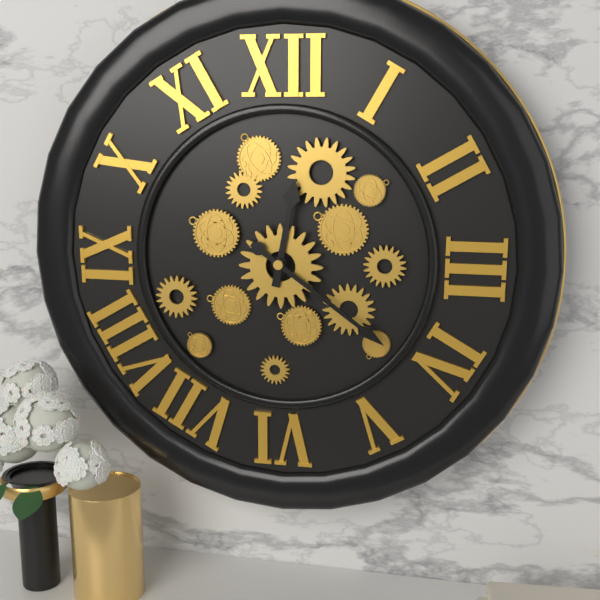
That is h=12 m=21
